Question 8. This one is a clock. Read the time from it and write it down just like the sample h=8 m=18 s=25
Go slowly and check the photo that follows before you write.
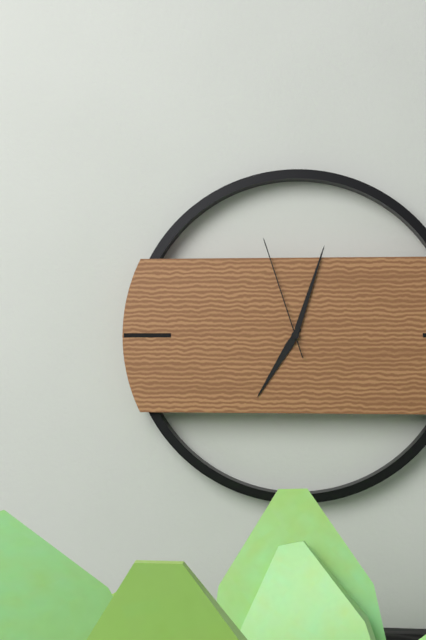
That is h=7 m=3 s=57
